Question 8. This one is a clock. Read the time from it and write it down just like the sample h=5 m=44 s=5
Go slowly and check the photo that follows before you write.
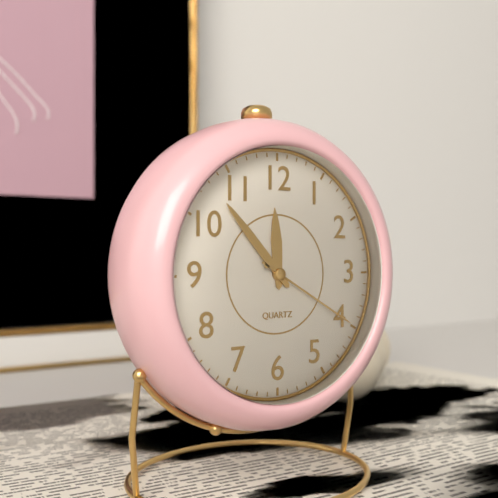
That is h=11 m=53 s=20
